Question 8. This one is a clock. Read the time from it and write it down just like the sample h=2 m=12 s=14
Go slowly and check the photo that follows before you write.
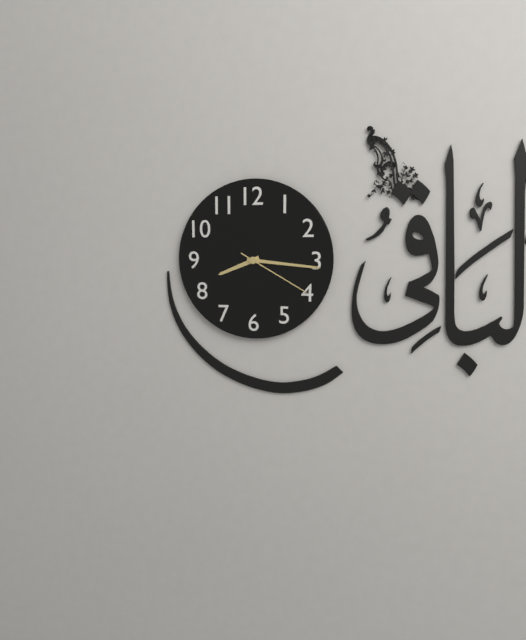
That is h=8 m=16 s=20
